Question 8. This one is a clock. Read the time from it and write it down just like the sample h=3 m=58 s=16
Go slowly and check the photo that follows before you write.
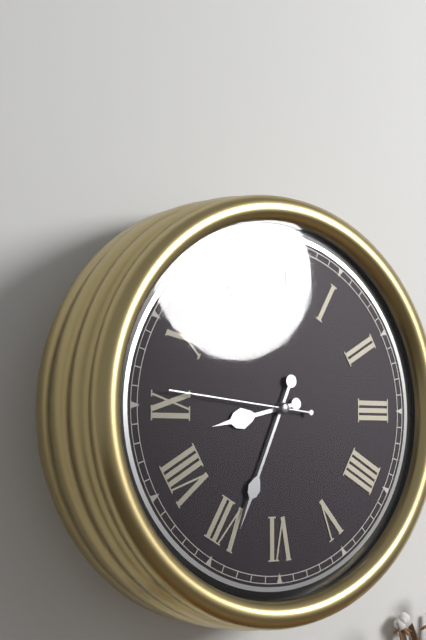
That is h=8 m=34 s=46
